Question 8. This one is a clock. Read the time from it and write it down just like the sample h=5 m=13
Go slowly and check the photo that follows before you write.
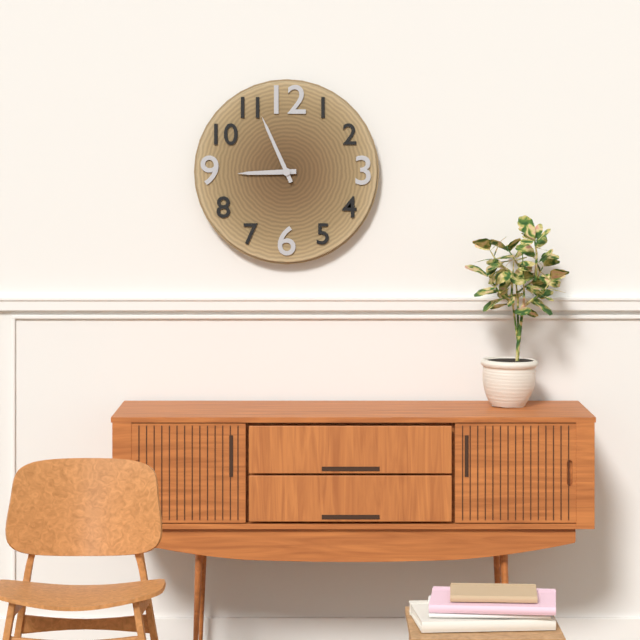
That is h=8 m=56
